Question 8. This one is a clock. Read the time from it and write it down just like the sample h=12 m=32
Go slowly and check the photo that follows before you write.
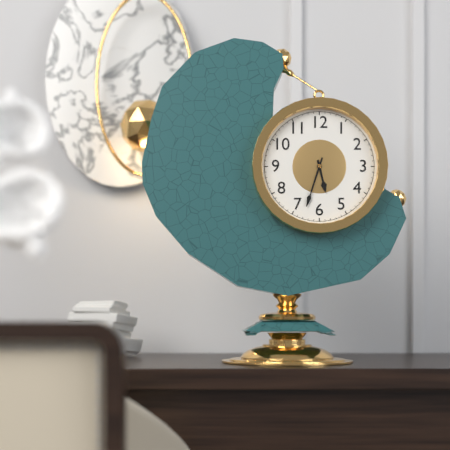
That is h=5 m=33
